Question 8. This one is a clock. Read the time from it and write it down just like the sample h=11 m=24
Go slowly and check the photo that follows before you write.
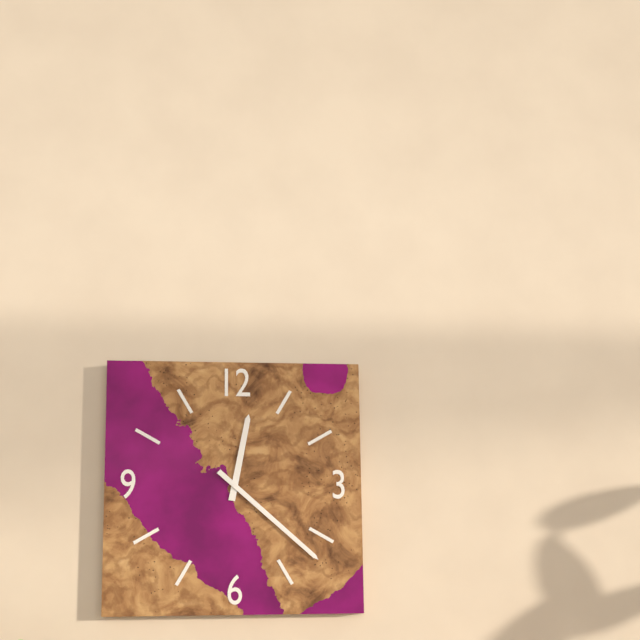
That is h=12 m=22
